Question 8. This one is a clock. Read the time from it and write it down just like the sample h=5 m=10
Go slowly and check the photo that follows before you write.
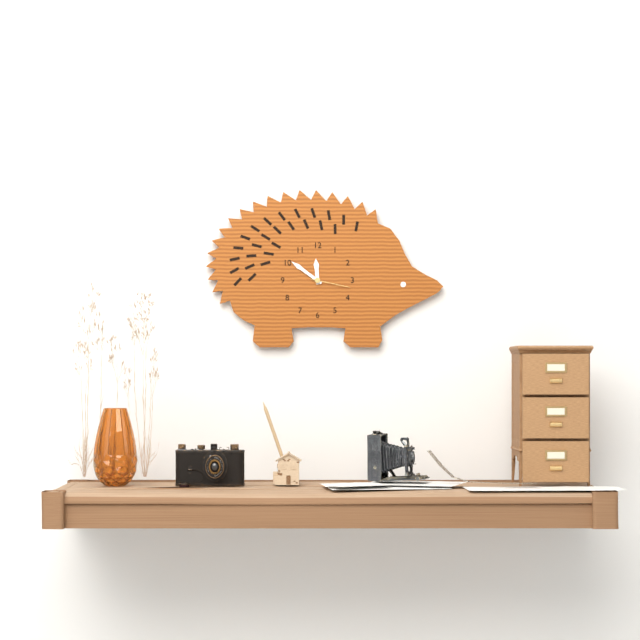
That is h=11 m=51
